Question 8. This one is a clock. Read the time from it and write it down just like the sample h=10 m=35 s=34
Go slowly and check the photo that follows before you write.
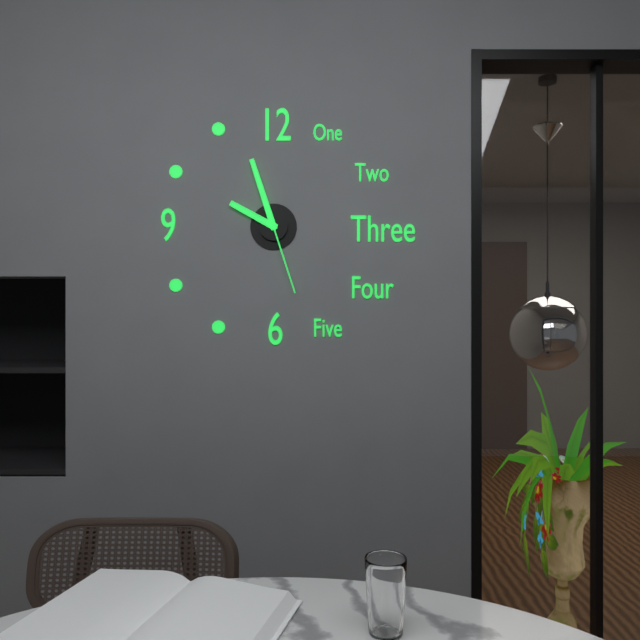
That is h=9 m=57 s=27
